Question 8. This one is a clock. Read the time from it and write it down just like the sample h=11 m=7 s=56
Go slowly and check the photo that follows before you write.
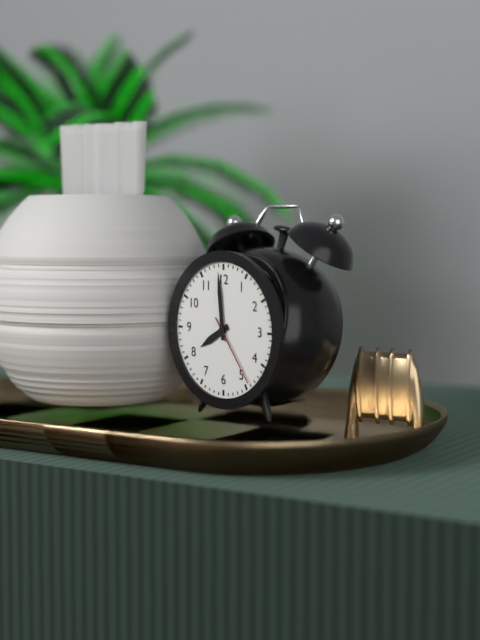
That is h=7 m=59 s=24
